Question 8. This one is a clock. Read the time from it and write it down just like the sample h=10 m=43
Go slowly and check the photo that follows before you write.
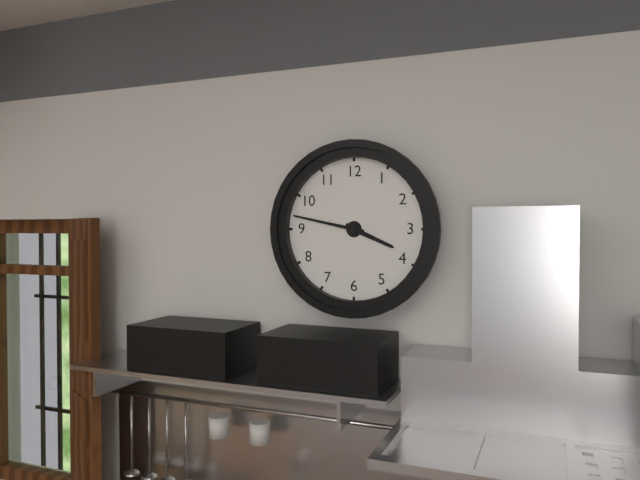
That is h=3 m=47
